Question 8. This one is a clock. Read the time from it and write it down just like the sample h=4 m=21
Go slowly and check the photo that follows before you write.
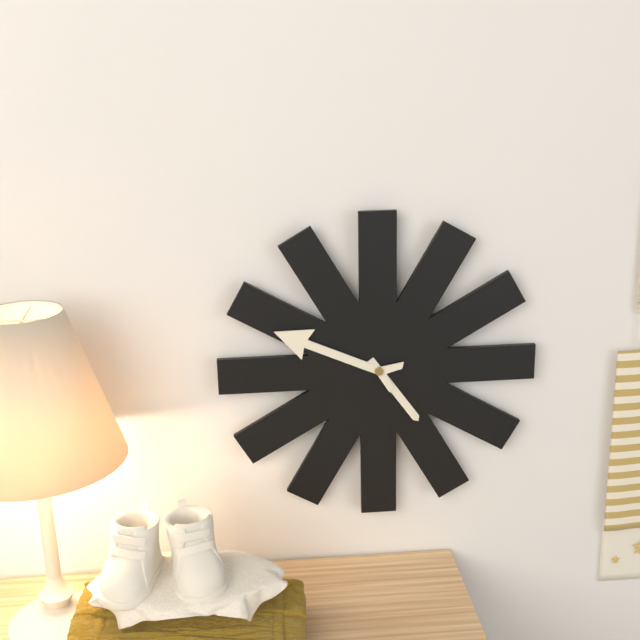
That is h=4 m=49
